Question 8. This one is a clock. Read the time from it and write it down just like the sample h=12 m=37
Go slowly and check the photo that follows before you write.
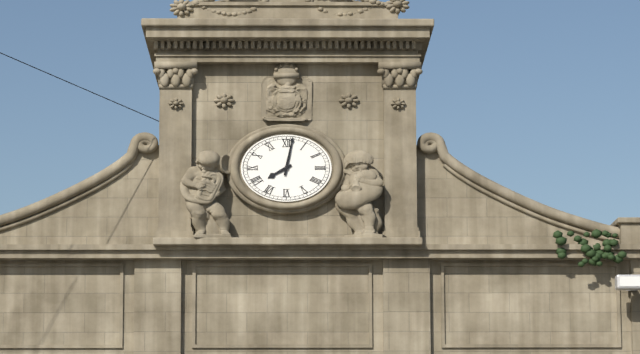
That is h=8 m=2
